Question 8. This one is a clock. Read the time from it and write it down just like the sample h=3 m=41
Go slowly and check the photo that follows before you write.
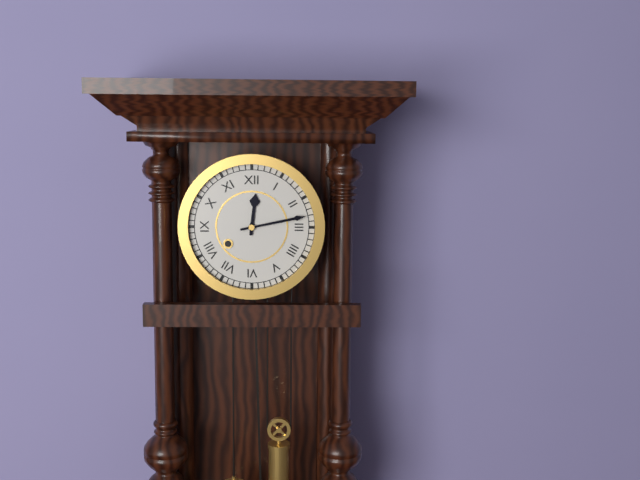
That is h=12 m=13
